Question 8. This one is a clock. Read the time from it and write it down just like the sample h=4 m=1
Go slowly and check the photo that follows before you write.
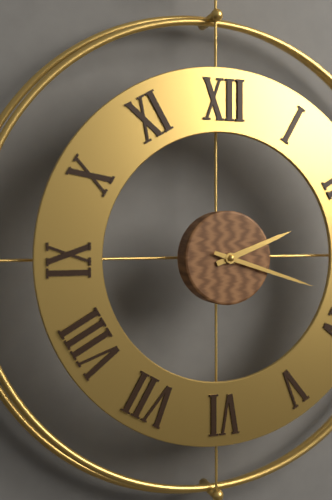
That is h=2 m=18
